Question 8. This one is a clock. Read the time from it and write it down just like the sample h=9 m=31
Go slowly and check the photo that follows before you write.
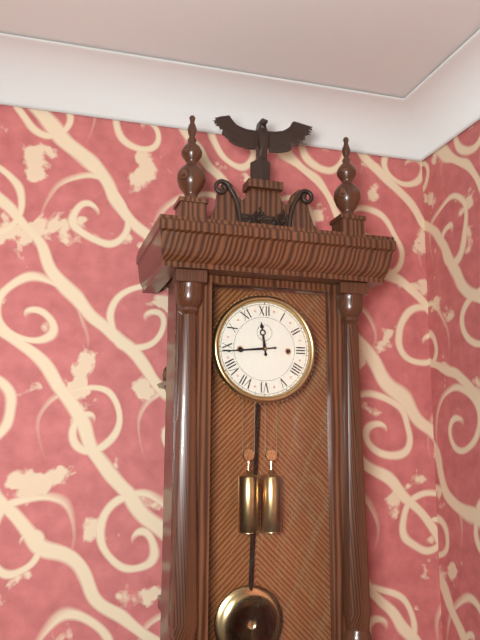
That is h=11 m=44
